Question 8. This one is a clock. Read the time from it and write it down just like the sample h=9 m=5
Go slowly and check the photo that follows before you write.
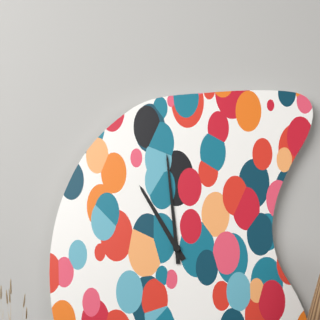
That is h=10 m=59
